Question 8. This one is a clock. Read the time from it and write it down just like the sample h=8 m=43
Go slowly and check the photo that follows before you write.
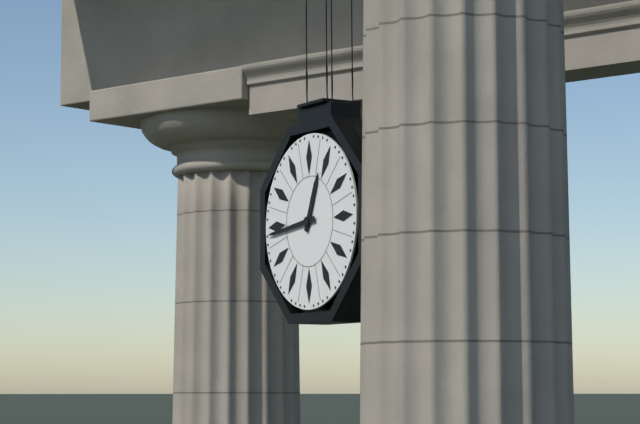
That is h=12 m=44
